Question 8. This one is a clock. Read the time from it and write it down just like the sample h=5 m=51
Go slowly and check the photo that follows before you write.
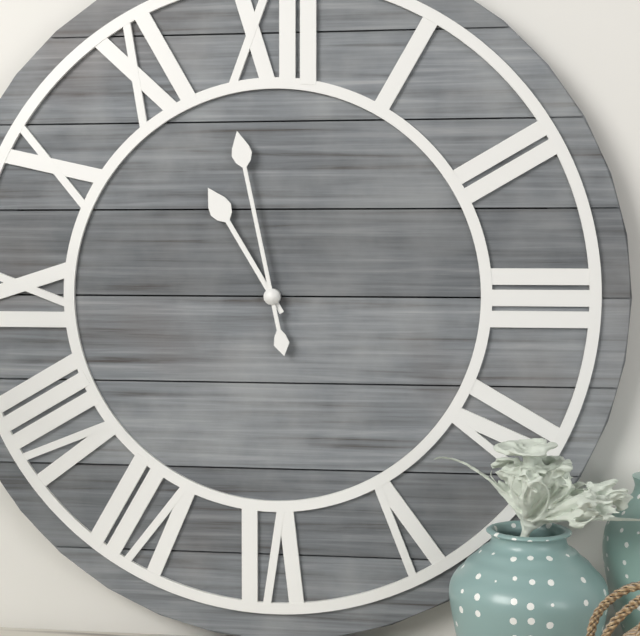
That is h=10 m=58
